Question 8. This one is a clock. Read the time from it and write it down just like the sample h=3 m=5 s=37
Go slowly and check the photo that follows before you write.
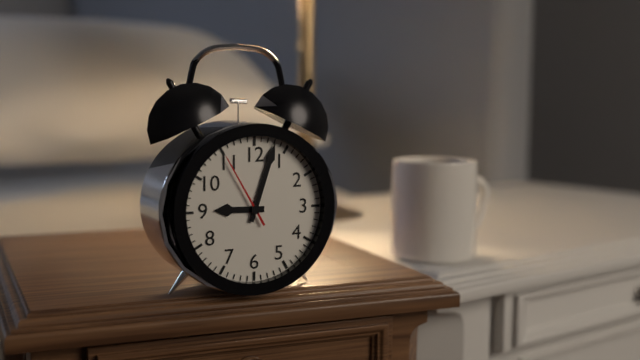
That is h=9 m=3 s=55
